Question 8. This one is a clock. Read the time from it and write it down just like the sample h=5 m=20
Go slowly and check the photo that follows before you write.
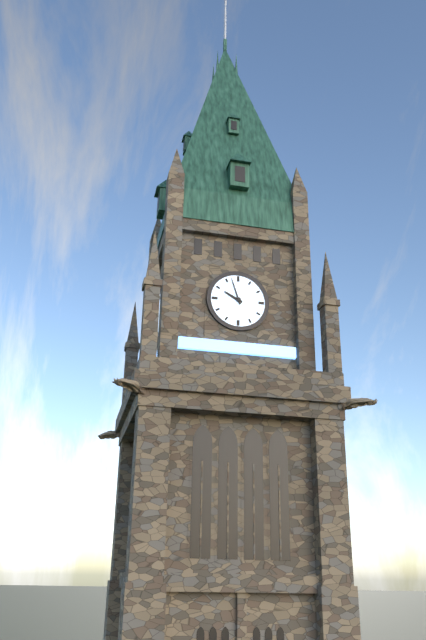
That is h=9 m=57
